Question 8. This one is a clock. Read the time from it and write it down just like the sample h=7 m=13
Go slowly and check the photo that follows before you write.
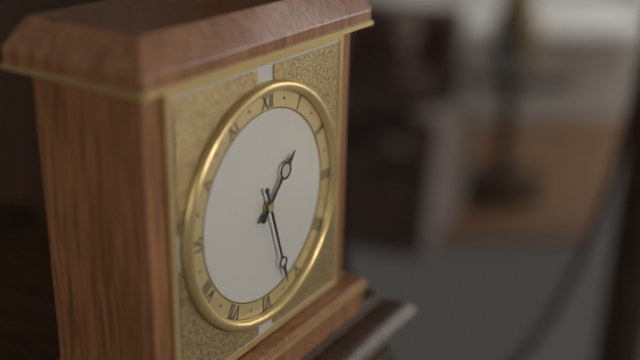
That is h=1 m=27
